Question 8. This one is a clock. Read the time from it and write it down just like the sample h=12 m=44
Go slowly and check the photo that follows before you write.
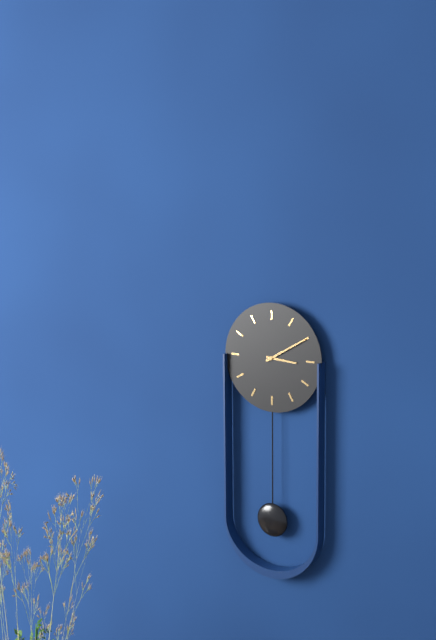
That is h=3 m=10
